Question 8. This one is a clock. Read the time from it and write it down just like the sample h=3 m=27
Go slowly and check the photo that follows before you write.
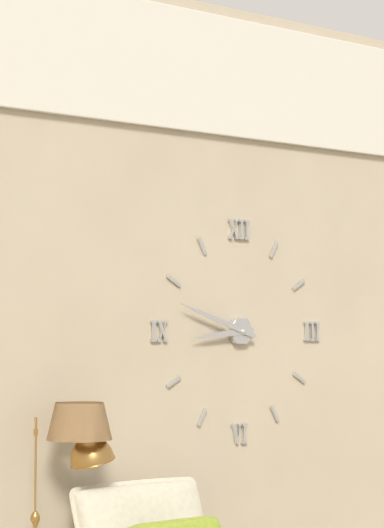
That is h=8 m=48
